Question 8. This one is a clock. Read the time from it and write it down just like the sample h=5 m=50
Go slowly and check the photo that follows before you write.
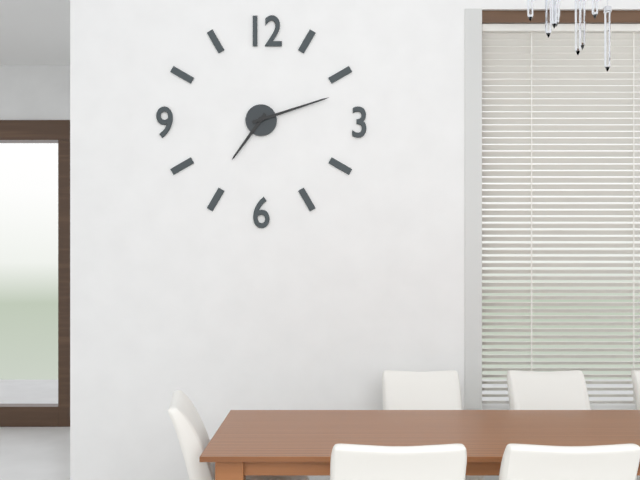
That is h=7 m=12
